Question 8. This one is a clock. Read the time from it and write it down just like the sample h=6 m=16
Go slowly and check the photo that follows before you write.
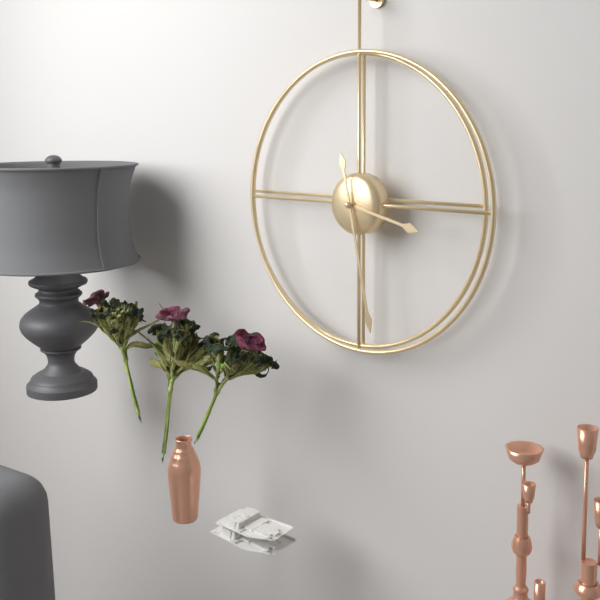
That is h=3 m=28
